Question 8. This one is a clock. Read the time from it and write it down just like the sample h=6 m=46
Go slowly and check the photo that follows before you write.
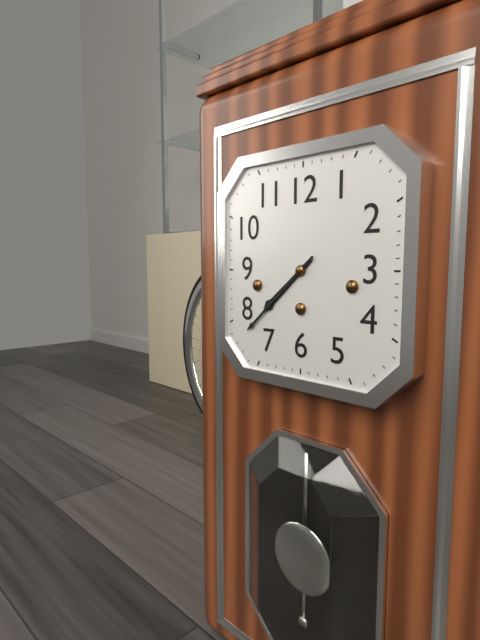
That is h=7 m=38
